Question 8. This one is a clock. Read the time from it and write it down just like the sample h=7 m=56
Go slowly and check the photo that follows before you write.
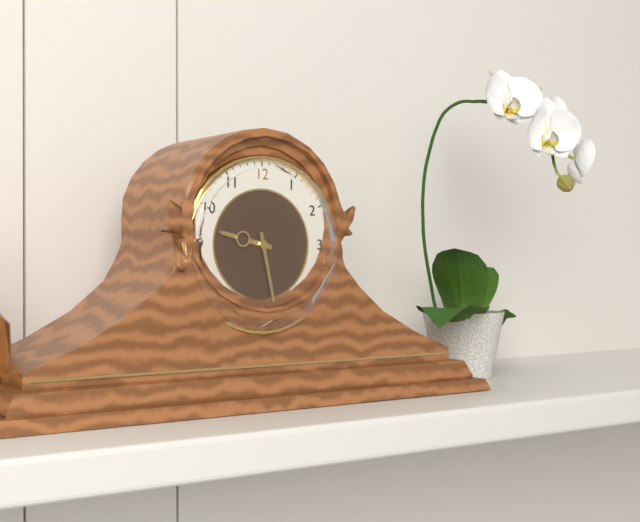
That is h=9 m=28
